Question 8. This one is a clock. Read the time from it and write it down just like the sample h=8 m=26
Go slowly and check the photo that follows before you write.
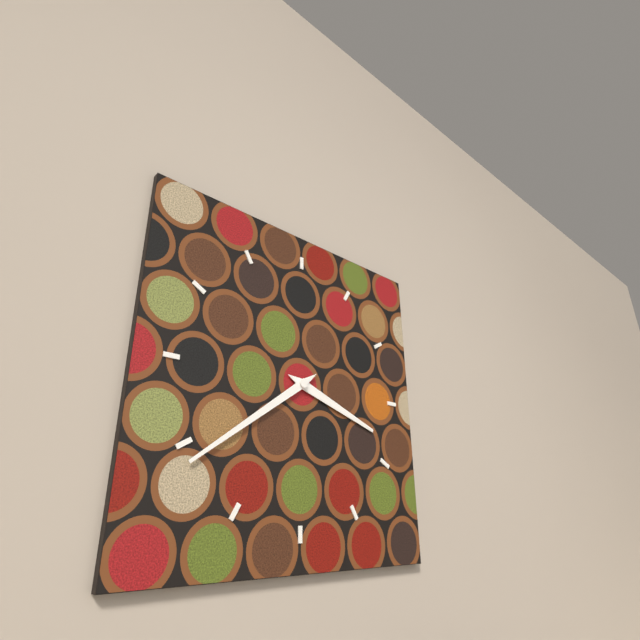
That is h=3 m=39
